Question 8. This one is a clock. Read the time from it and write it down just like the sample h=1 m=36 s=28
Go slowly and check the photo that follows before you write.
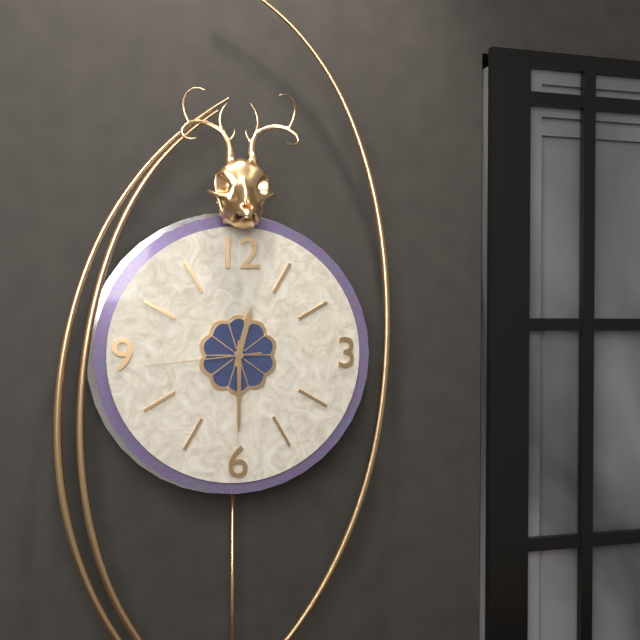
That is h=12 m=30 s=44
